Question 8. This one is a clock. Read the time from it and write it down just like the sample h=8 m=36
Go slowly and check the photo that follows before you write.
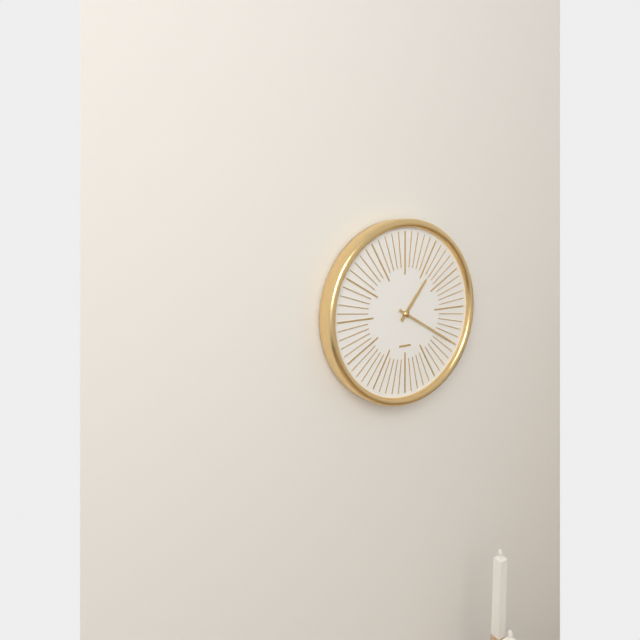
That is h=1 m=20
